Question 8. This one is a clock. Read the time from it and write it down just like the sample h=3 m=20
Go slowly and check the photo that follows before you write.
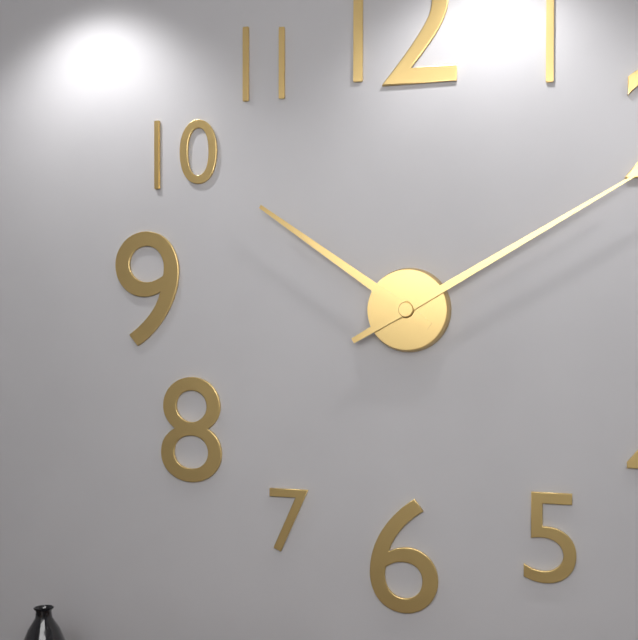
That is h=10 m=10
